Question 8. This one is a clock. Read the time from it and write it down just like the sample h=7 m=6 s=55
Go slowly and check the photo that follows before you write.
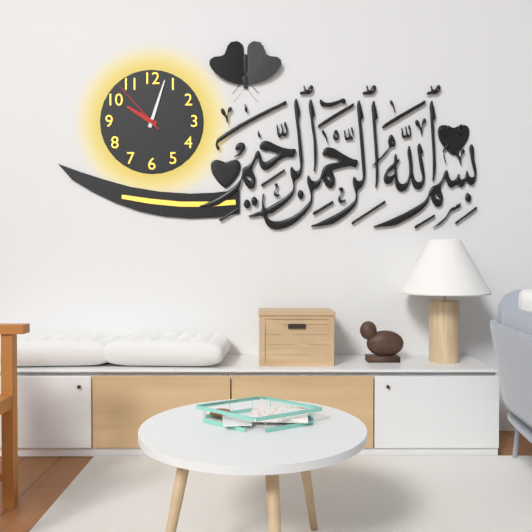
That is h=10 m=3 s=53
